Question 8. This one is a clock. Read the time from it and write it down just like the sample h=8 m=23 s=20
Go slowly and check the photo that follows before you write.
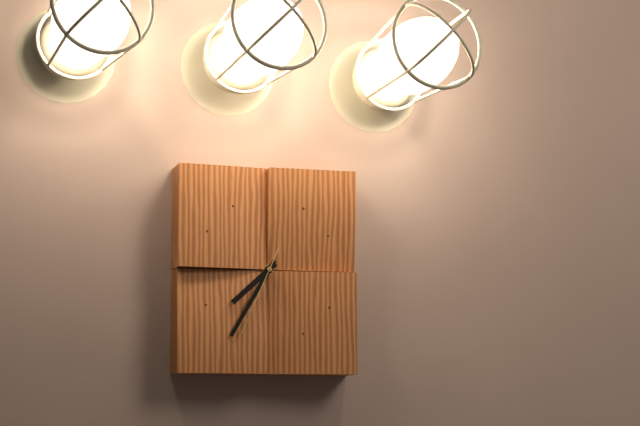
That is h=7 m=35 s=34
